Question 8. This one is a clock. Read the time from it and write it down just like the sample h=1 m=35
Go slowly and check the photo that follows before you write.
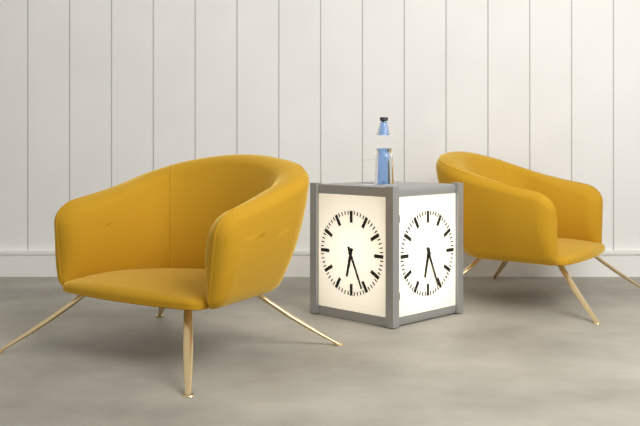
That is h=6 m=26
